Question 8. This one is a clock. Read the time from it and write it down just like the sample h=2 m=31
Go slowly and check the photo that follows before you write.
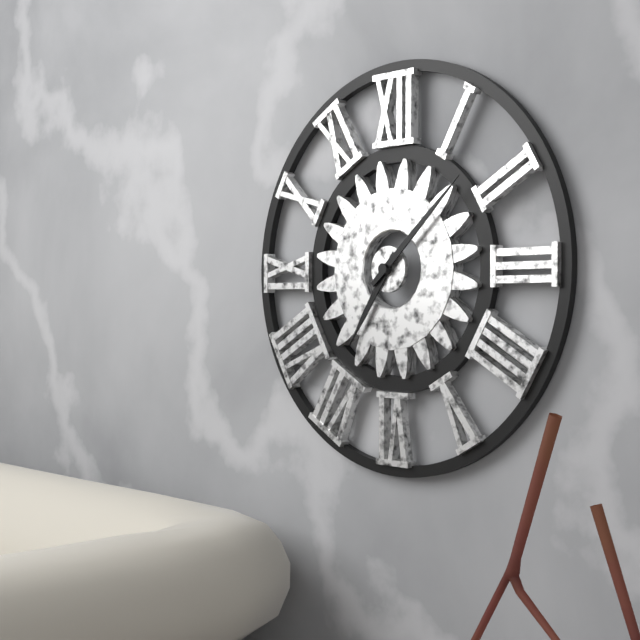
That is h=7 m=8
